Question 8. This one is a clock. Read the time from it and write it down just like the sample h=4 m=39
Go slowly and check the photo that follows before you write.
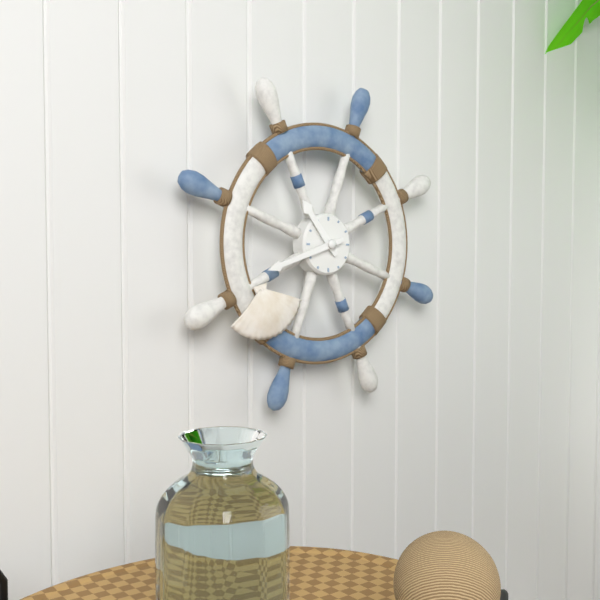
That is h=10 m=42
